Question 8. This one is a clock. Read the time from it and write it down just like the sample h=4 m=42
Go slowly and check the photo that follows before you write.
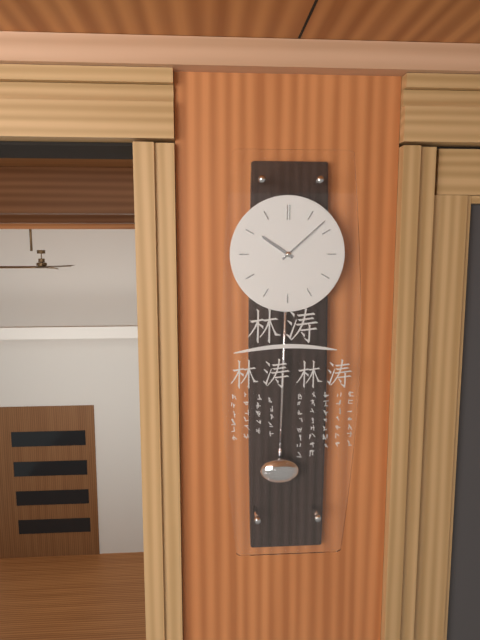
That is h=10 m=8
